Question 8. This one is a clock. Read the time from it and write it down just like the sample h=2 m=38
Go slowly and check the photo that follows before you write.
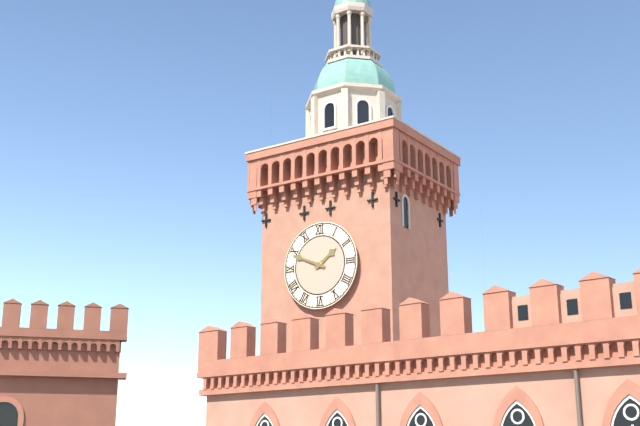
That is h=1 m=49
